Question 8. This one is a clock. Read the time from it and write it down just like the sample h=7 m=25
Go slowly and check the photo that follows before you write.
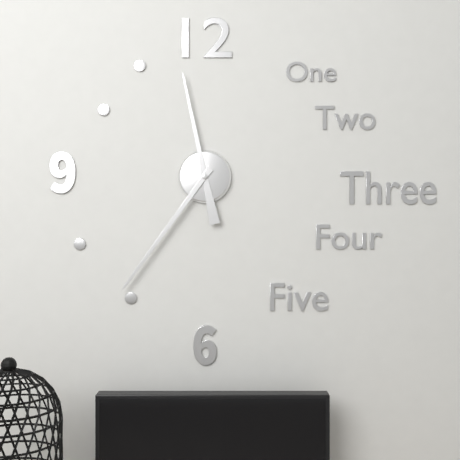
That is h=11 m=36
